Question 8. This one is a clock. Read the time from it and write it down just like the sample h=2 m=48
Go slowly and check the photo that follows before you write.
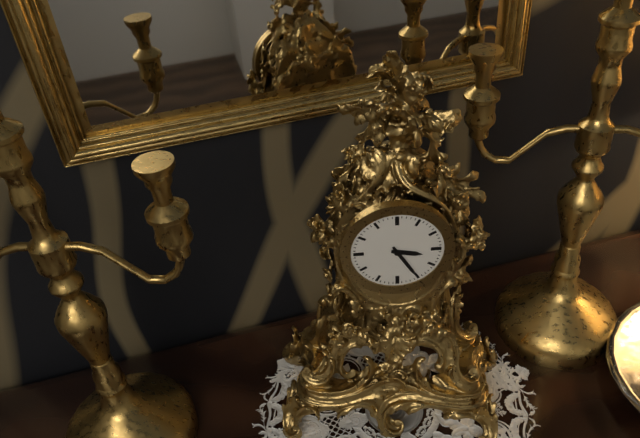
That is h=3 m=25
